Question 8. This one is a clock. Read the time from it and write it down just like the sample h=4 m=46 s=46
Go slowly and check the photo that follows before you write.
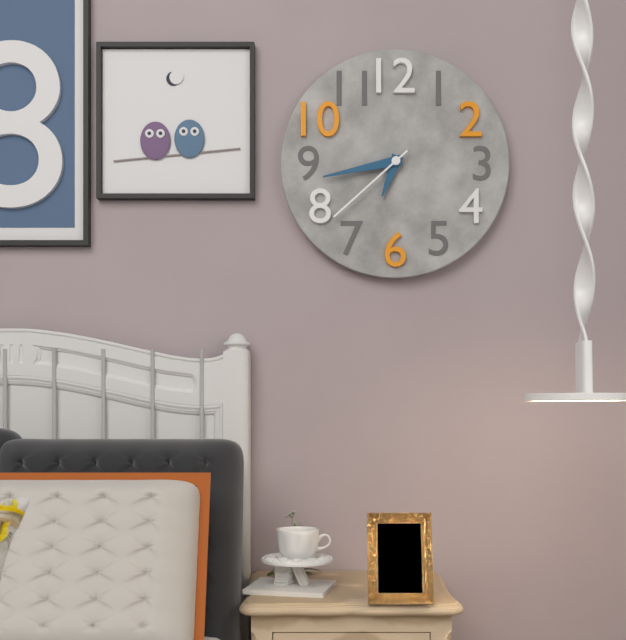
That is h=6 m=43 s=38
